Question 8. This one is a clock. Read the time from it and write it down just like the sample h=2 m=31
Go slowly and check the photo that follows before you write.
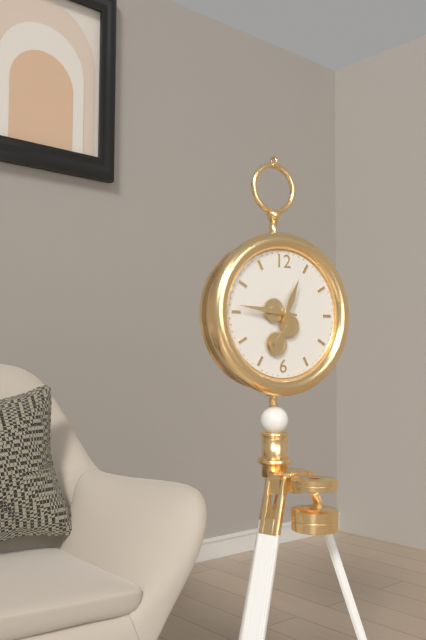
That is h=12 m=46
